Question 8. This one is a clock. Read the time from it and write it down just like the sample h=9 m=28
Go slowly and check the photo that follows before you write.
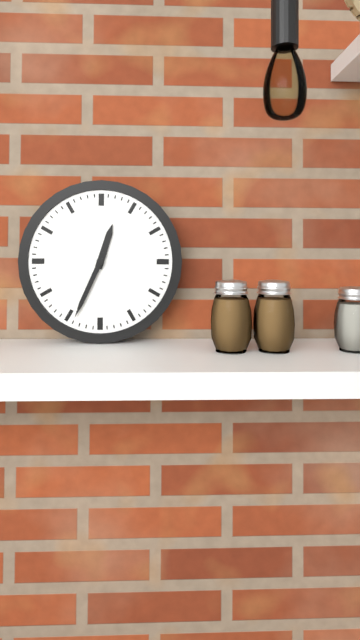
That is h=12 m=34
